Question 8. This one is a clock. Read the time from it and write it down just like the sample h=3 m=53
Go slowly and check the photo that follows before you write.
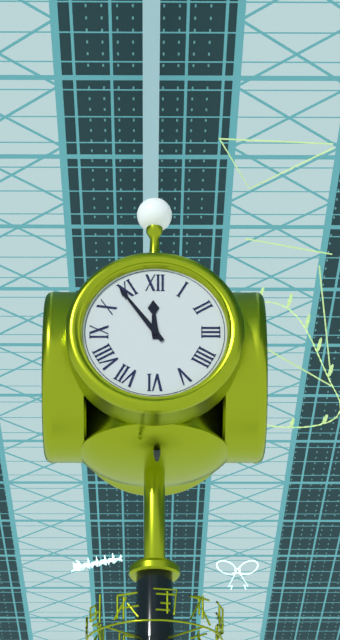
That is h=11 m=54
